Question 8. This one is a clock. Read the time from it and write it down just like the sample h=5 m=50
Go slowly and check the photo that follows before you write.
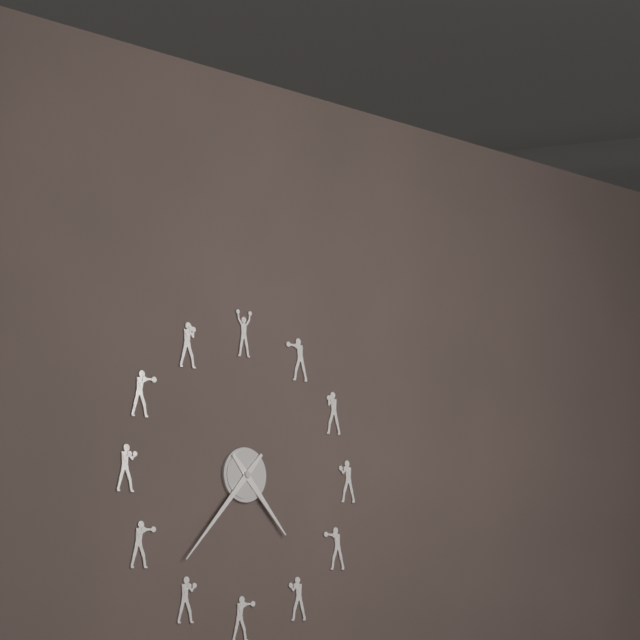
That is h=4 m=37
